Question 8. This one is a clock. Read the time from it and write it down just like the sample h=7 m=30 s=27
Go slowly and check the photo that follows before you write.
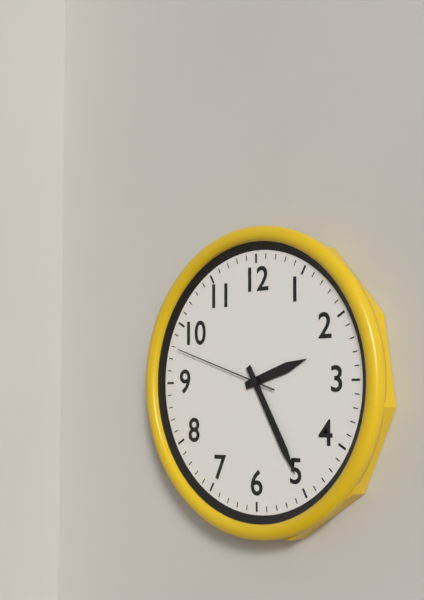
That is h=2 m=25 s=48
